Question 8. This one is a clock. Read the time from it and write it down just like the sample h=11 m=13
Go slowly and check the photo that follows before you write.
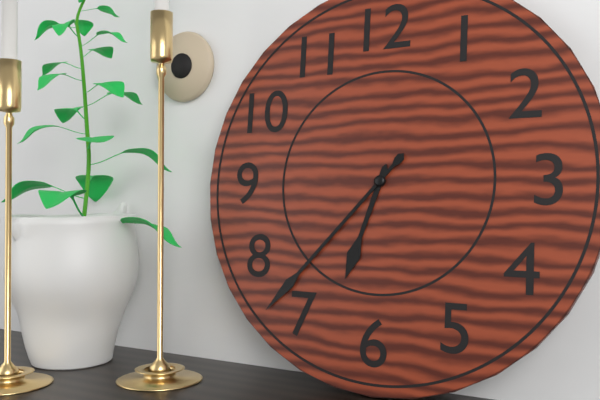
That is h=6 m=37
